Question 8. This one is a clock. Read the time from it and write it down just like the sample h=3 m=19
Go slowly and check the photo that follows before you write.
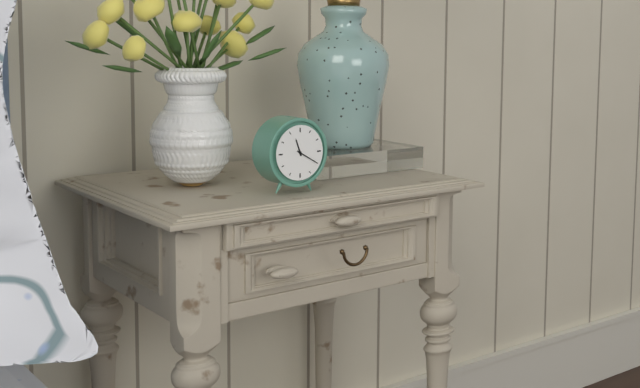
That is h=11 m=20
